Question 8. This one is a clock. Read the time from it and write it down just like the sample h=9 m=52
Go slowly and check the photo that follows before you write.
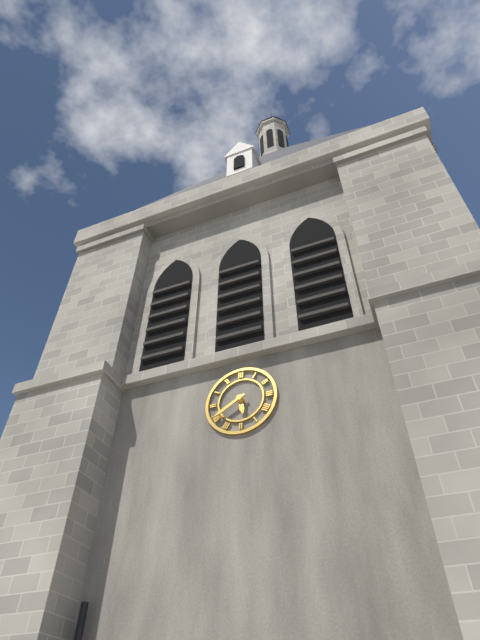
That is h=5 m=40
